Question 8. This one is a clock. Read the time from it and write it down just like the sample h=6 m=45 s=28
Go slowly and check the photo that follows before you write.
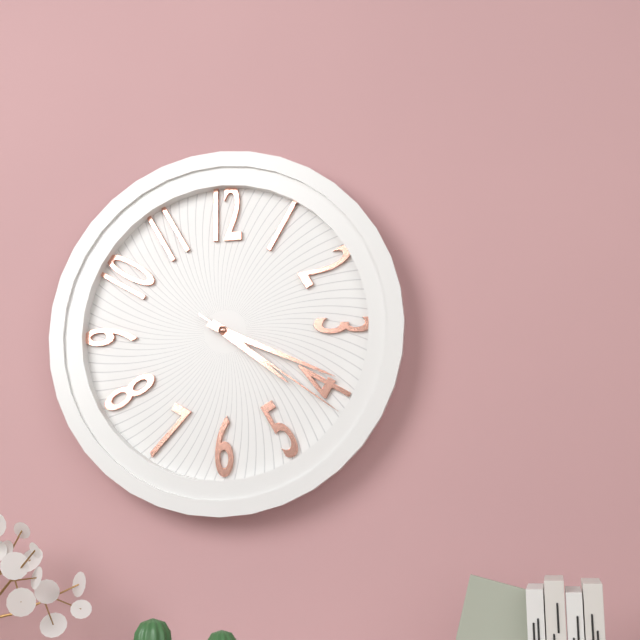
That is h=4 m=19 s=21
